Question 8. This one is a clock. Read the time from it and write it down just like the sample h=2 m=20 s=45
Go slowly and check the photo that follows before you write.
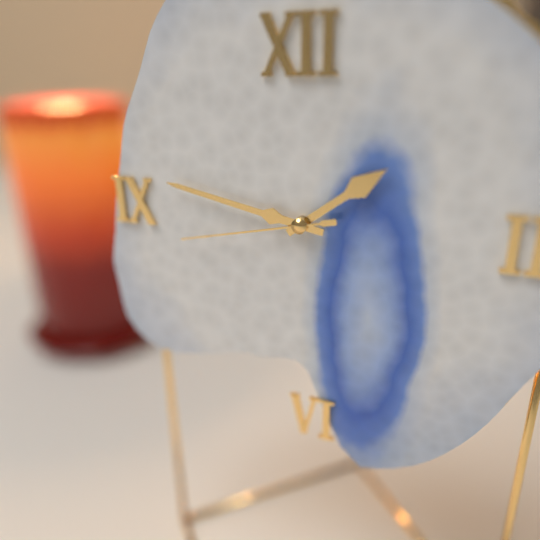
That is h=1 m=47 s=43
